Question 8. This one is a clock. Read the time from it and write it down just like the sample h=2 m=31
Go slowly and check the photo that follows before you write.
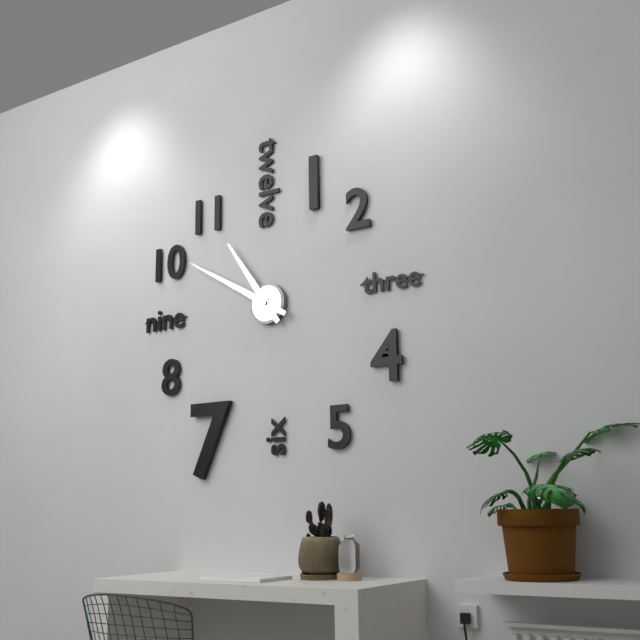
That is h=10 m=50
